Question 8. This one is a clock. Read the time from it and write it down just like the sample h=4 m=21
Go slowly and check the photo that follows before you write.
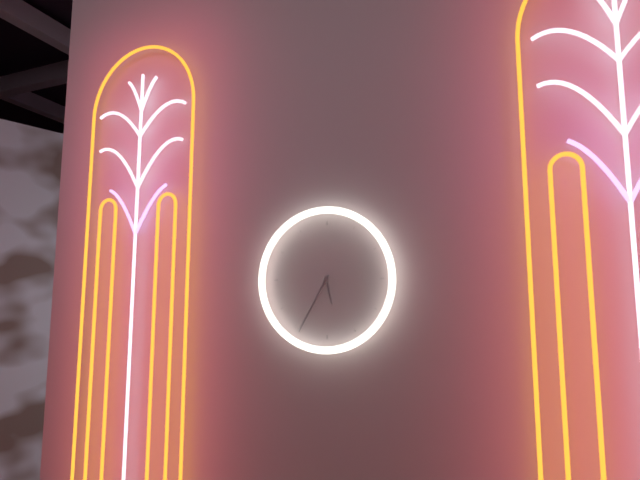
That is h=5 m=35
